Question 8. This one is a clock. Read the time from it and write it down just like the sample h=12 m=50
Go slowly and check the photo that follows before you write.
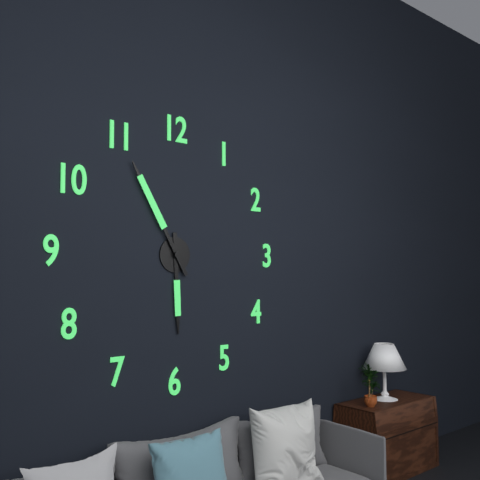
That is h=5 m=55
